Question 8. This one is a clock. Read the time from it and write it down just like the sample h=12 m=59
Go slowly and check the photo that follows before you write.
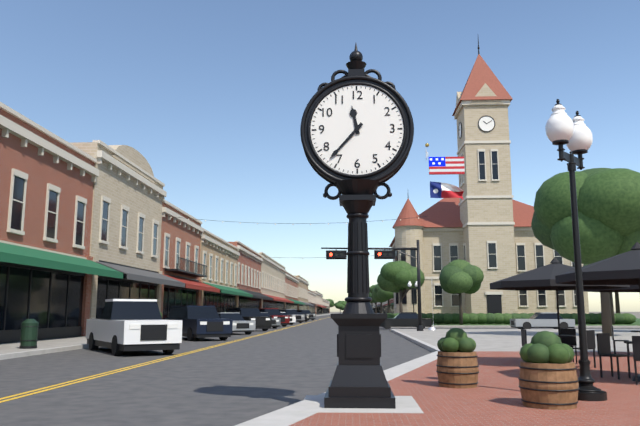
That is h=11 m=37
